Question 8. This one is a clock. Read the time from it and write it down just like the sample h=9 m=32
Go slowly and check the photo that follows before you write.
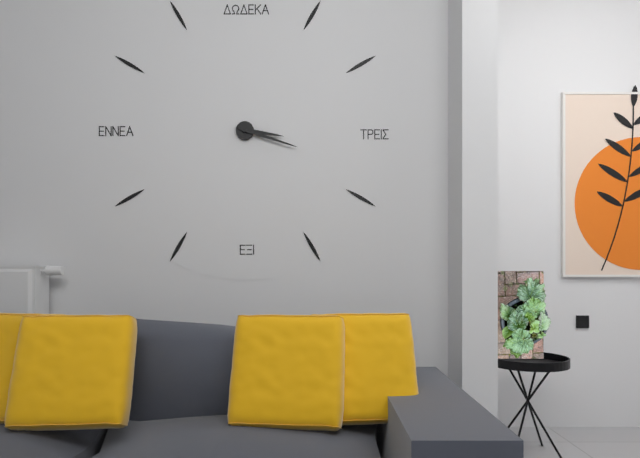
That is h=3 m=18
